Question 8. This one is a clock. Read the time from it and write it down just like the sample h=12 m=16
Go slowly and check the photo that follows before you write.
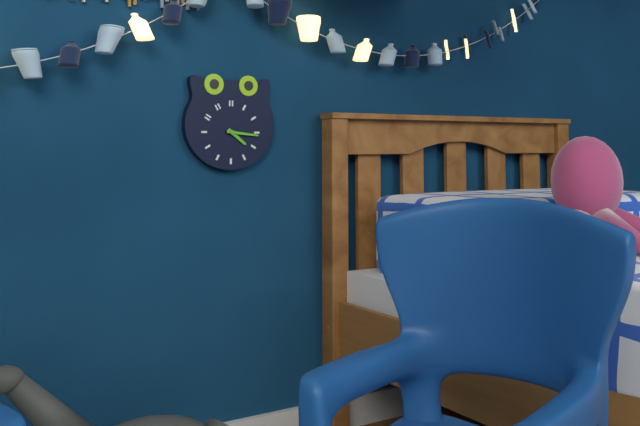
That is h=4 m=16
